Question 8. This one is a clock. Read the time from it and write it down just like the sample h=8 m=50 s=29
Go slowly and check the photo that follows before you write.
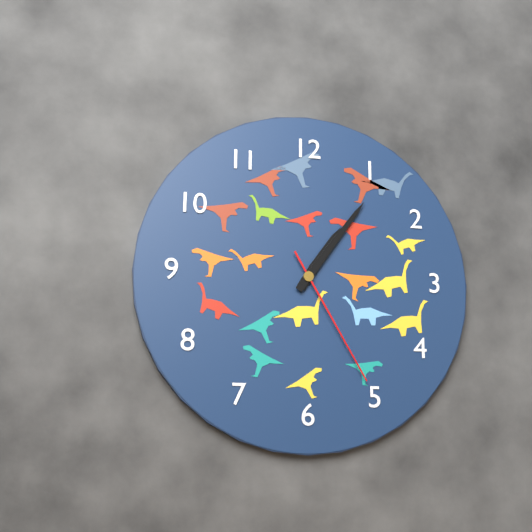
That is h=1 m=6 s=25
